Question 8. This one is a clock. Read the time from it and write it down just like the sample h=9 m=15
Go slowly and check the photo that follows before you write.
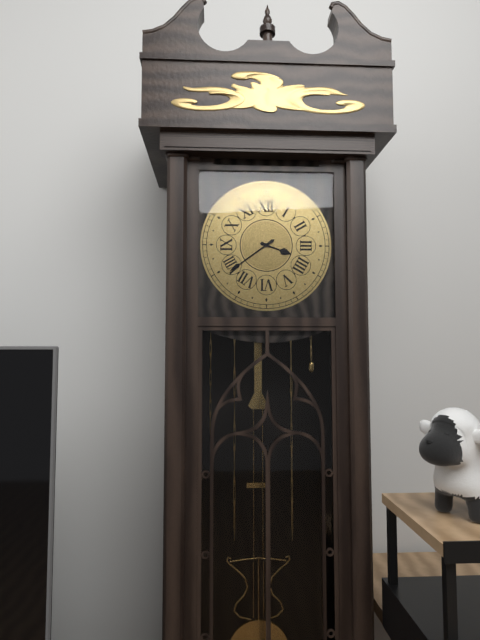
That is h=3 m=39
